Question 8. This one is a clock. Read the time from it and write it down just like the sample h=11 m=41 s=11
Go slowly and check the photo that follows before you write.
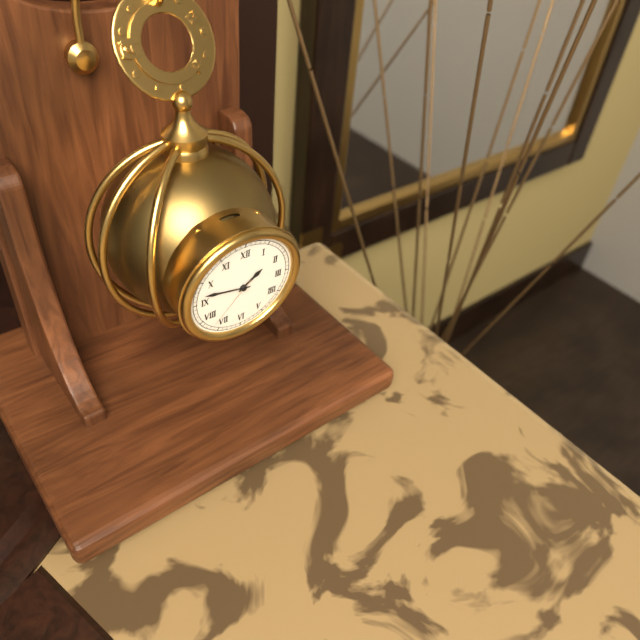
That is h=1 m=47 s=37
